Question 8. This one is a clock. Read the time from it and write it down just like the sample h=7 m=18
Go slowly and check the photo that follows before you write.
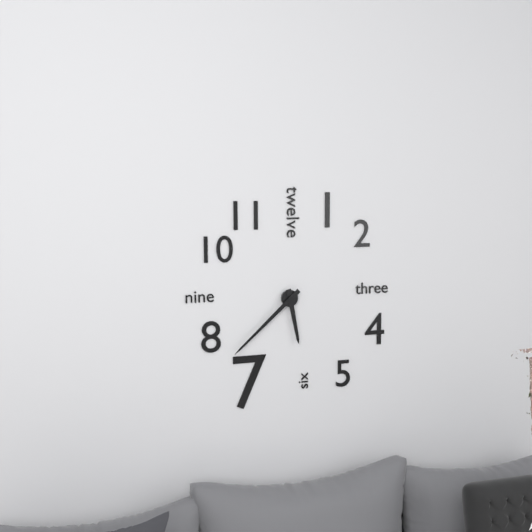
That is h=5 m=38
